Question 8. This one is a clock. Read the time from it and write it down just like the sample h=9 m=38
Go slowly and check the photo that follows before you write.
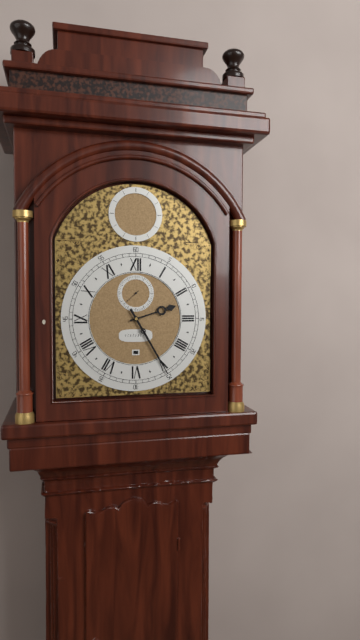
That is h=2 m=25
